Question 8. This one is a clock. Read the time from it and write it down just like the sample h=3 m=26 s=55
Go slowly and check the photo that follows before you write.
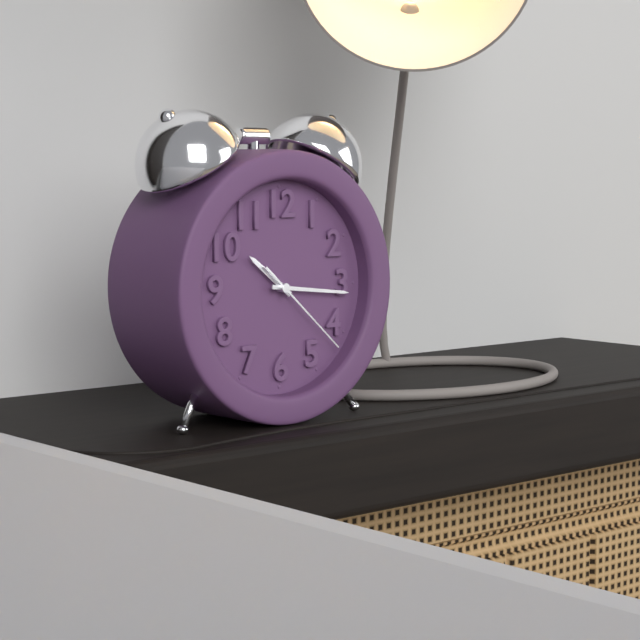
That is h=10 m=16 s=22
